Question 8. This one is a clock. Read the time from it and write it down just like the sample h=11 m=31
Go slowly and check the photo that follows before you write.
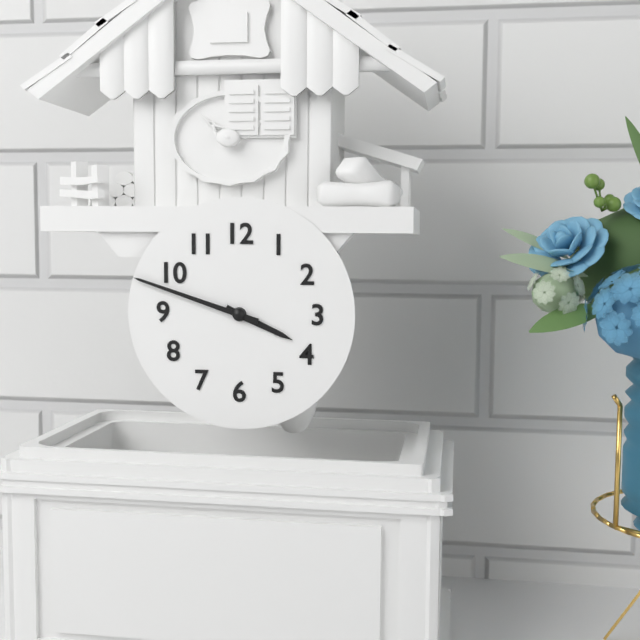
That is h=3 m=48
